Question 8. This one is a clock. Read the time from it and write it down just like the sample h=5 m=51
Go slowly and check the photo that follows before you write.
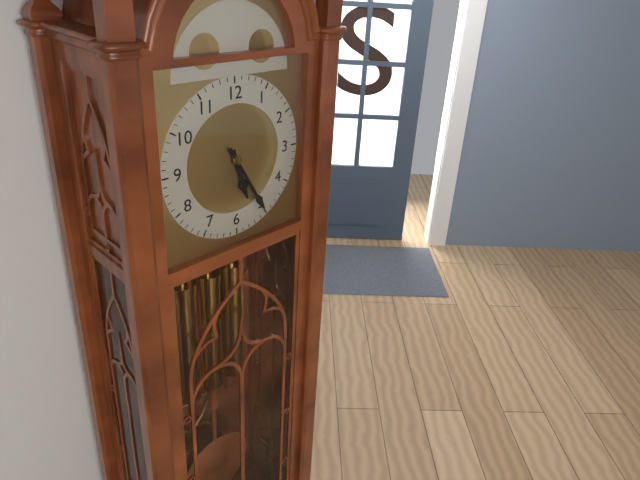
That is h=5 m=25
